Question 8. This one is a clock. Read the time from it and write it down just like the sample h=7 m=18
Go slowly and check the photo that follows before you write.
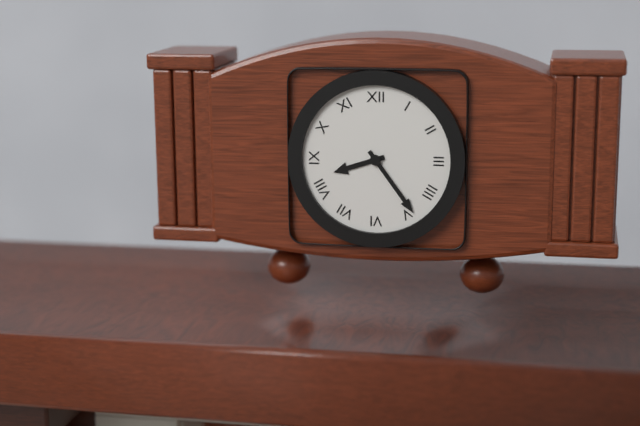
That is h=8 m=24
